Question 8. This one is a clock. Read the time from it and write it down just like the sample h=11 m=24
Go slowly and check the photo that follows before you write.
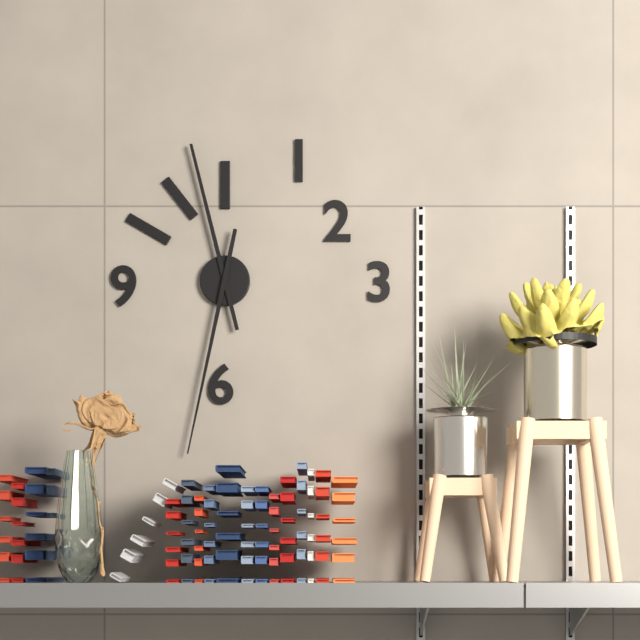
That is h=11 m=32
